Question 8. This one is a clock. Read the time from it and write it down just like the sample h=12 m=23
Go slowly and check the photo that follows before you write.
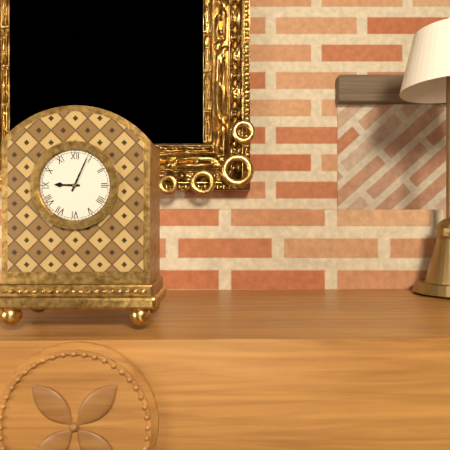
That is h=9 m=4
